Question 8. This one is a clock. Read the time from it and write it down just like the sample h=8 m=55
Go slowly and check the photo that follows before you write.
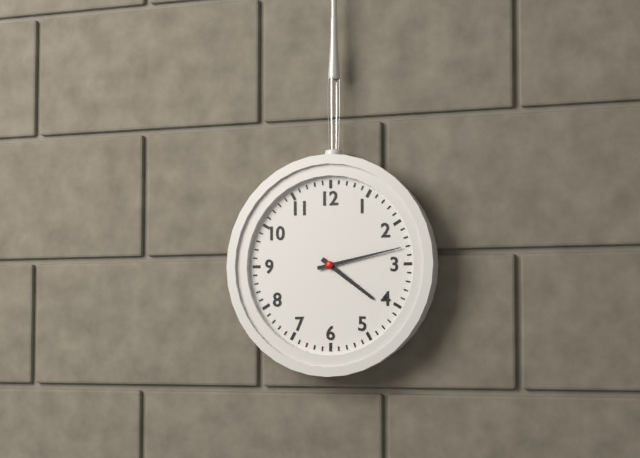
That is h=4 m=13
